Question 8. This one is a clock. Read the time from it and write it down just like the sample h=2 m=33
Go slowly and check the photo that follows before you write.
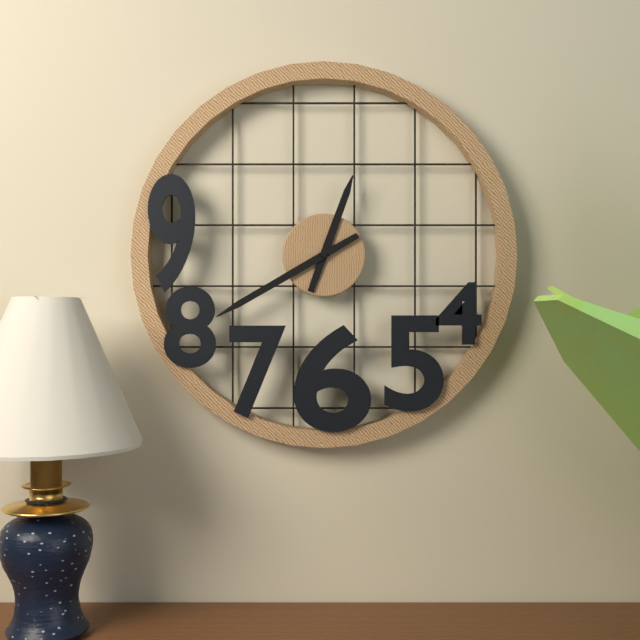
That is h=12 m=40
